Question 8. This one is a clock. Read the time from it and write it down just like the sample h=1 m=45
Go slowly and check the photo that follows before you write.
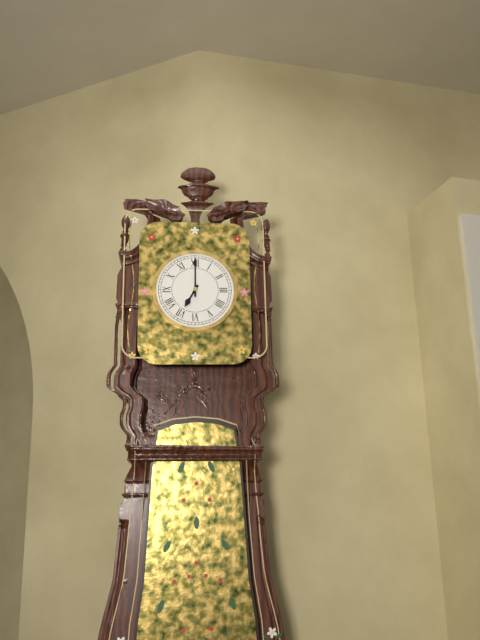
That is h=7 m=0
